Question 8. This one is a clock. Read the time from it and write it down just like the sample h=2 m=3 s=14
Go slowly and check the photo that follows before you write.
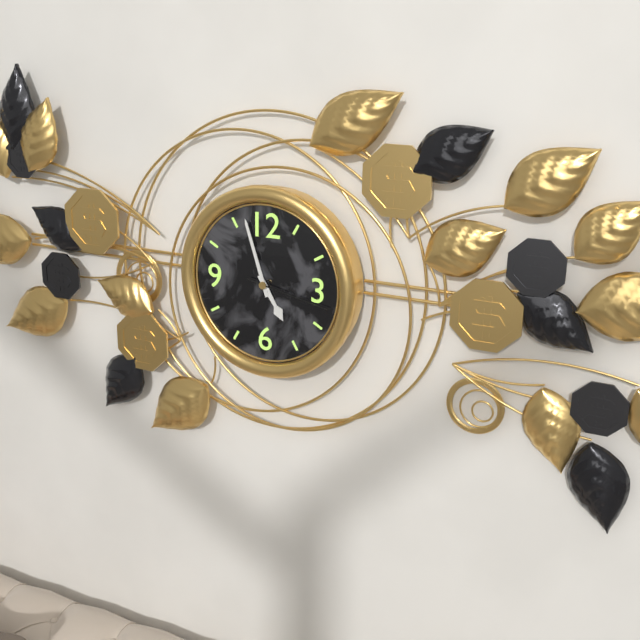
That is h=4 m=57 s=17
